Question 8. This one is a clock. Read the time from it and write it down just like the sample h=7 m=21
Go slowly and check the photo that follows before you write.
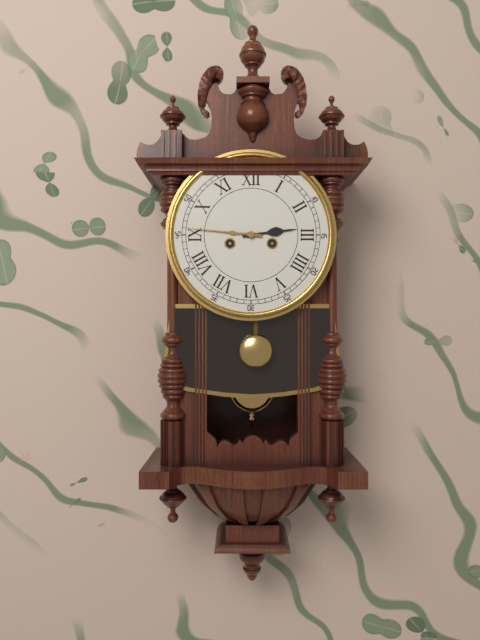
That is h=2 m=46
